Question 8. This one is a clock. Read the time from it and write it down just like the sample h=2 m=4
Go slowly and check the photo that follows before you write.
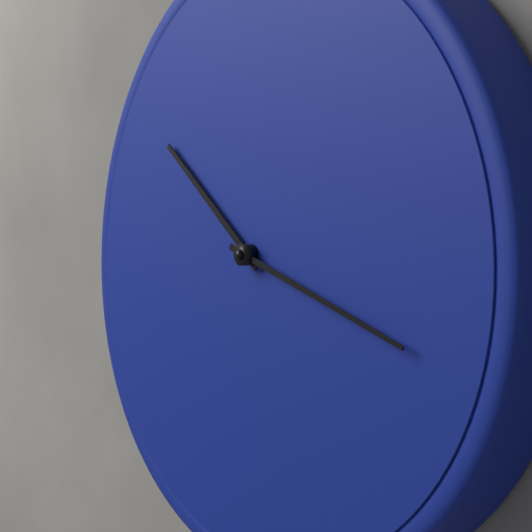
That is h=10 m=18
